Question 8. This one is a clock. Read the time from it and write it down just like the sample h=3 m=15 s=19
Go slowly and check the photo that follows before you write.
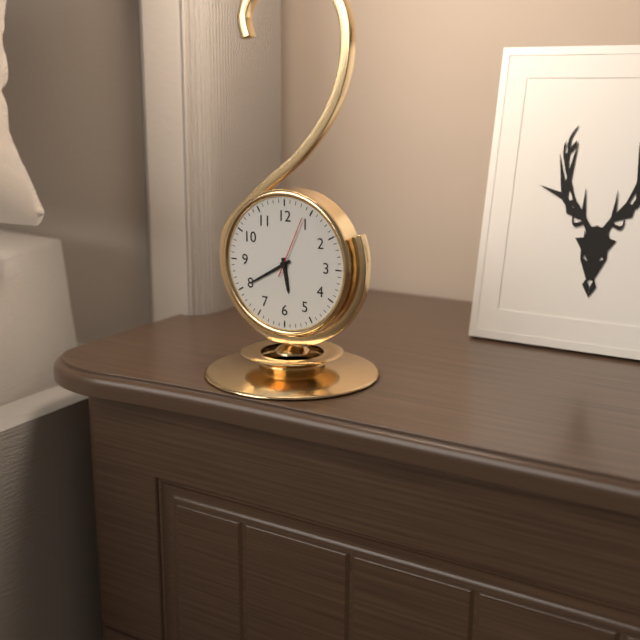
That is h=5 m=40 s=4
